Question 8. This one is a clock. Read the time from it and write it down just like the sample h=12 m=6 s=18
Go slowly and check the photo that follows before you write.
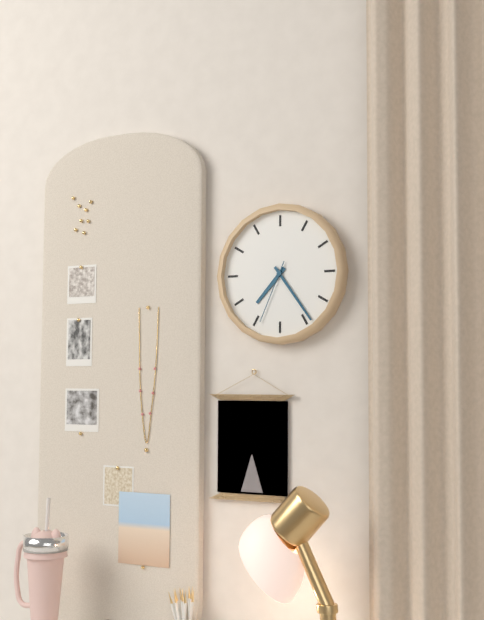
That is h=7 m=24 s=34
